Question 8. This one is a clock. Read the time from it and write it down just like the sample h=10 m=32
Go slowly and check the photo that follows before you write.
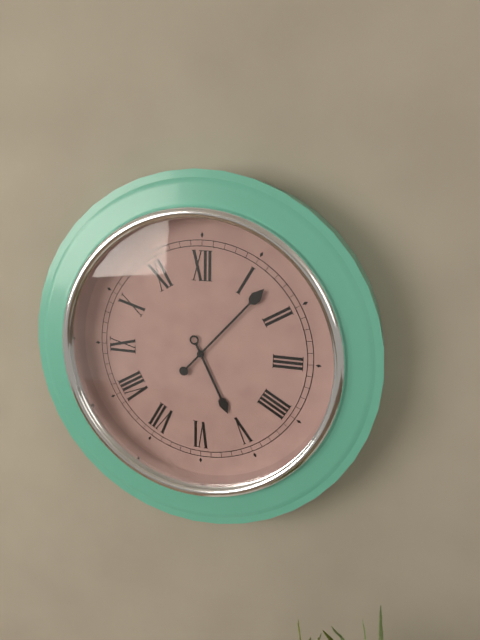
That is h=5 m=7
